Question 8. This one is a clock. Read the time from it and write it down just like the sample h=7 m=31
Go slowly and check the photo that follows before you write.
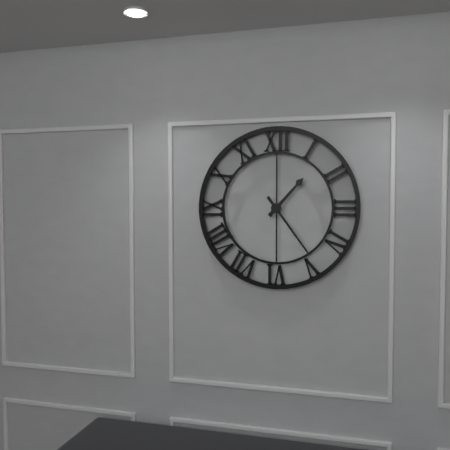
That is h=1 m=24
